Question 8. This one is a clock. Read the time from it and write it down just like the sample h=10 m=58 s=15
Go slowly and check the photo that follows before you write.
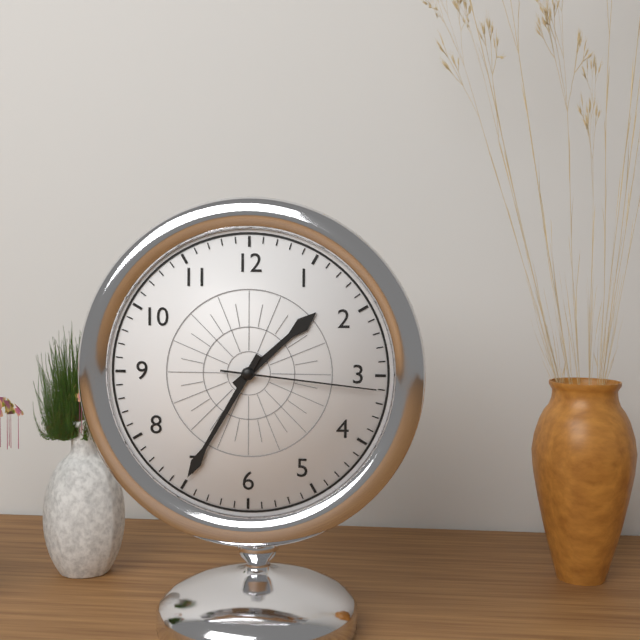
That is h=1 m=35 s=16
